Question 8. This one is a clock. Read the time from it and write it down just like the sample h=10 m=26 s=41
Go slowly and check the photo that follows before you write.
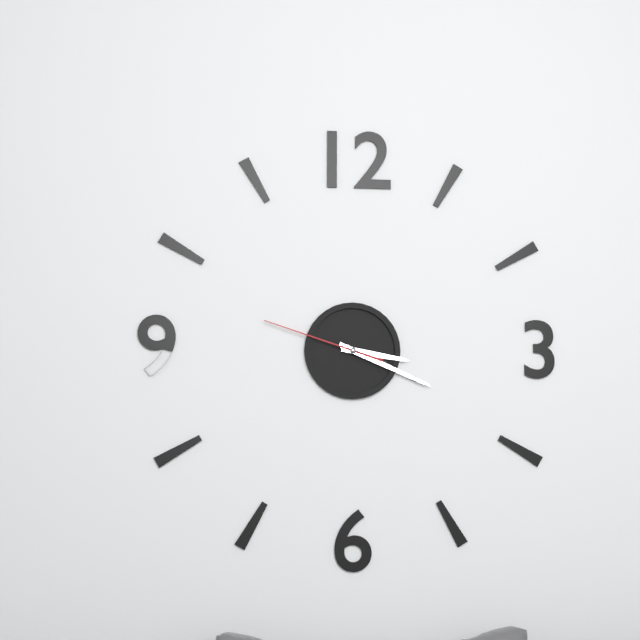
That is h=3 m=19 s=48
